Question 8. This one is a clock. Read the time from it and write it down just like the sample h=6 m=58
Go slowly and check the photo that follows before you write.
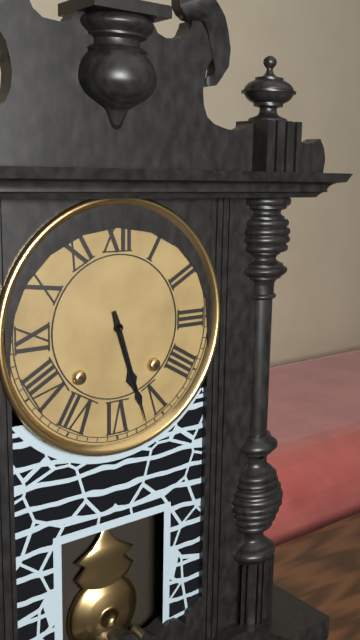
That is h=5 m=27
